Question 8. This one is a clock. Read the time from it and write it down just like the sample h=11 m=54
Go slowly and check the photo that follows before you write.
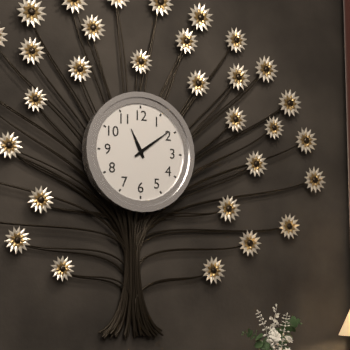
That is h=11 m=9
